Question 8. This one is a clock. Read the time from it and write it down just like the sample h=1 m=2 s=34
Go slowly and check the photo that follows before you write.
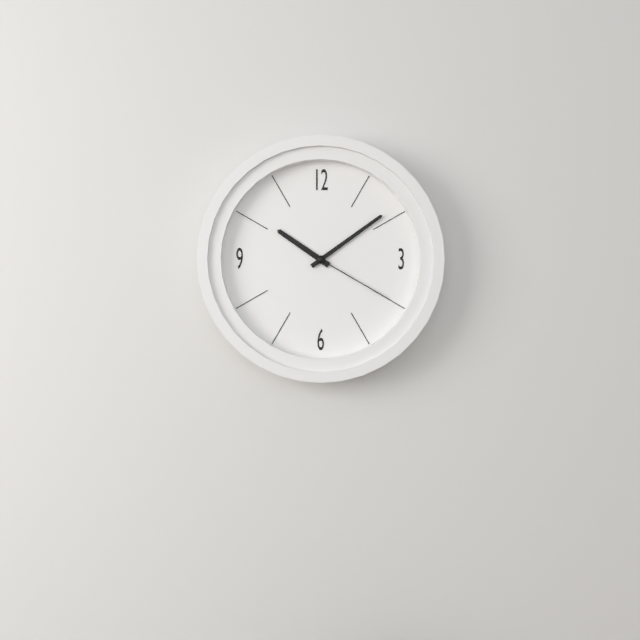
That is h=10 m=9 s=20
